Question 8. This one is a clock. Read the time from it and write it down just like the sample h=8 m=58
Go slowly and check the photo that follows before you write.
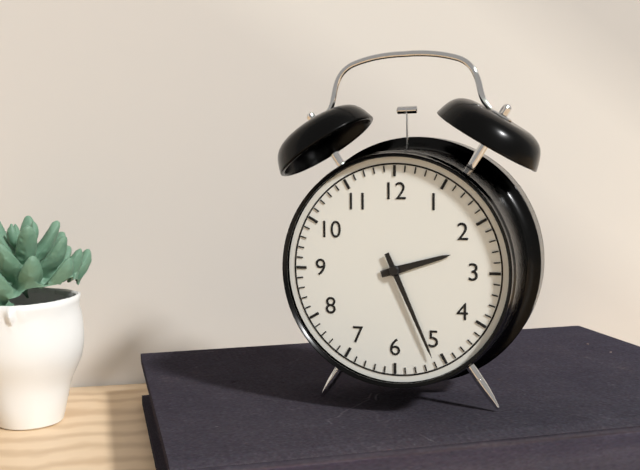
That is h=2 m=26
